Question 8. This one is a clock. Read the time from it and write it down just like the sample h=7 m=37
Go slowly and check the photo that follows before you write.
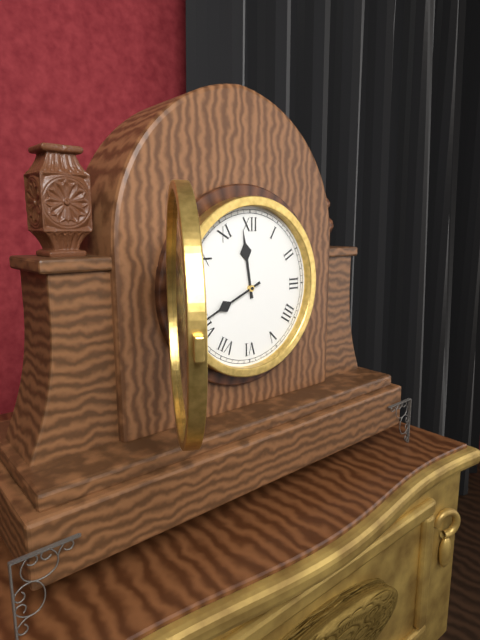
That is h=11 m=41
